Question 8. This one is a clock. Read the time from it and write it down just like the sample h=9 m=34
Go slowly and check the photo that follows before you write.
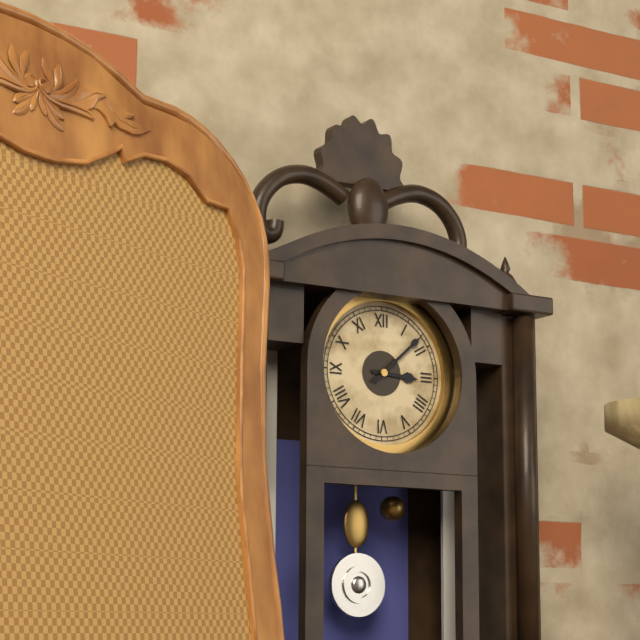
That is h=3 m=8
